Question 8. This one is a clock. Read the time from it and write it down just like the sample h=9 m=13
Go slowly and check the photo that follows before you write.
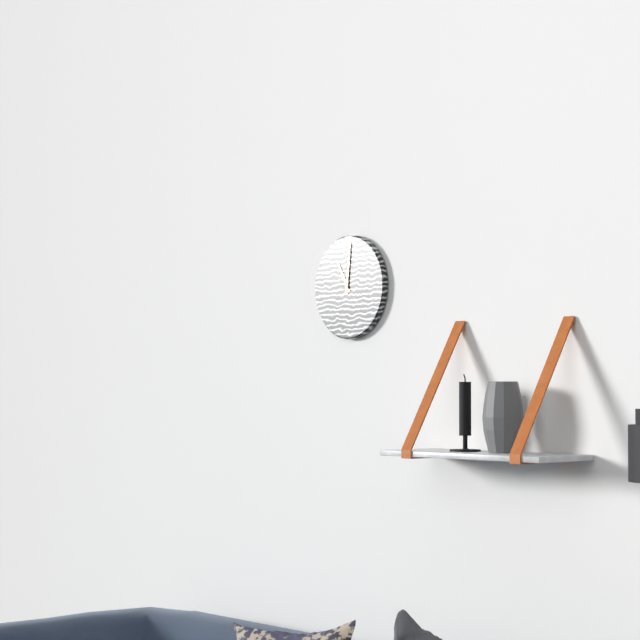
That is h=11 m=1
